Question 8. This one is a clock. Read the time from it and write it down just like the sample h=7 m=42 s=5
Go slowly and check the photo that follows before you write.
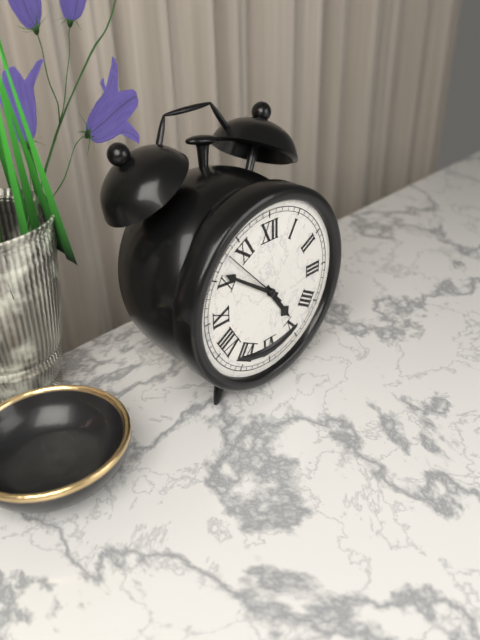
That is h=4 m=51 s=53
